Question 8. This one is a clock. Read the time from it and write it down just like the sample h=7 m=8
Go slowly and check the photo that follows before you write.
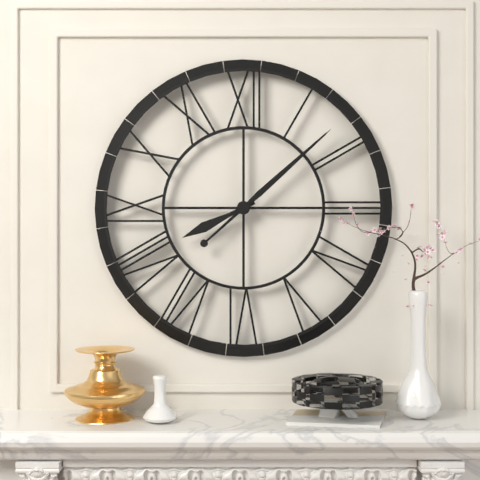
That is h=8 m=8
